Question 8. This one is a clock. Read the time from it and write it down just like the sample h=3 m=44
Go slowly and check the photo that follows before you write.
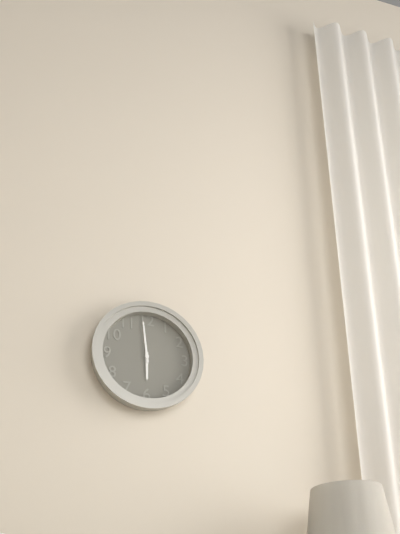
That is h=5 m=59
